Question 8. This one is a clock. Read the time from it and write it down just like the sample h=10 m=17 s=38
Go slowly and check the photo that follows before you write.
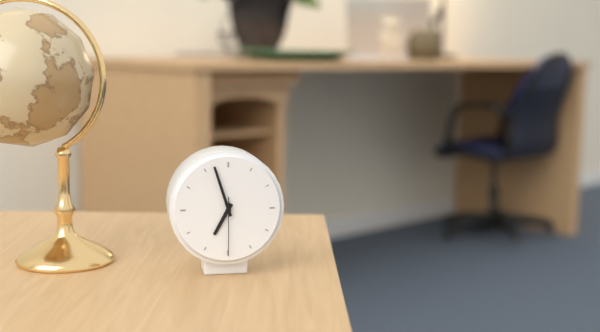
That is h=6 m=57 s=30
